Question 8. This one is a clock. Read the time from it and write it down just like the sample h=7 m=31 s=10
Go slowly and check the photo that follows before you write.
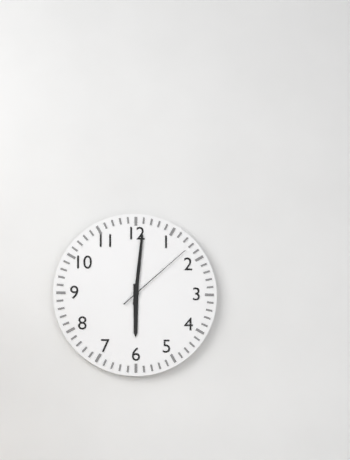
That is h=6 m=1 s=8
